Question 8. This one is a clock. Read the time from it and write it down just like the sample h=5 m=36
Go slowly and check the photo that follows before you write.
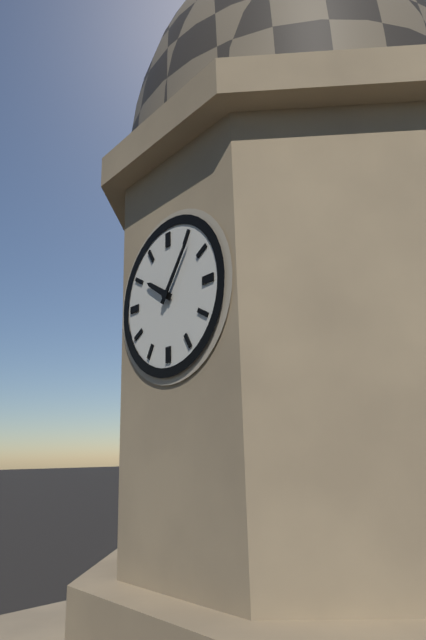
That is h=10 m=6
